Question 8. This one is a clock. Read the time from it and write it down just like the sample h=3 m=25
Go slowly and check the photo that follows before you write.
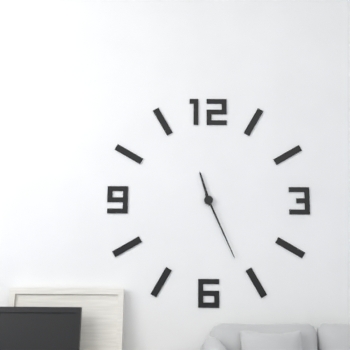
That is h=11 m=26
